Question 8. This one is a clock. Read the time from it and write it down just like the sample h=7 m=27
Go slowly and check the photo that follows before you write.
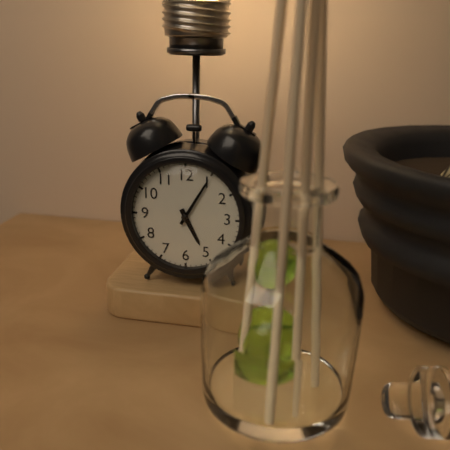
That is h=5 m=5
